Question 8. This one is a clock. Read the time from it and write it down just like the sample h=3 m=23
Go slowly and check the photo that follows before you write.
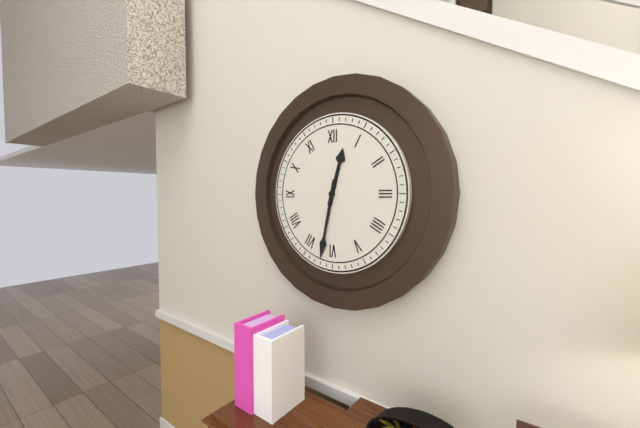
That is h=12 m=32
